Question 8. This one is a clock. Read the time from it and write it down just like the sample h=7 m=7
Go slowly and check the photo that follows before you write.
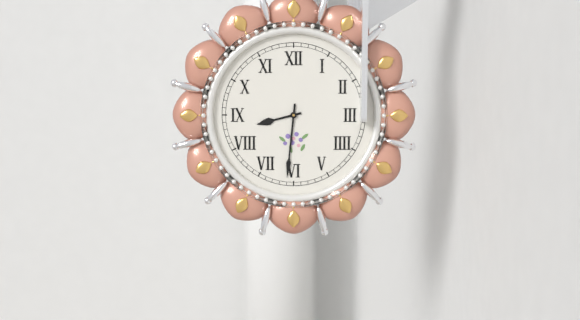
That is h=8 m=31
